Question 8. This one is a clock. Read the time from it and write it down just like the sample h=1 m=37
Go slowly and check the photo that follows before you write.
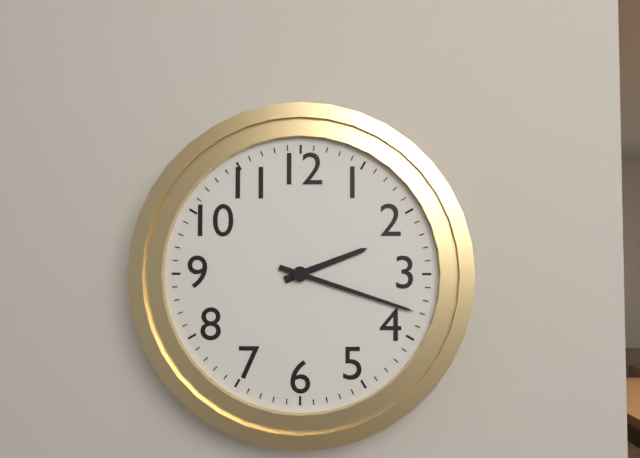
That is h=2 m=18
